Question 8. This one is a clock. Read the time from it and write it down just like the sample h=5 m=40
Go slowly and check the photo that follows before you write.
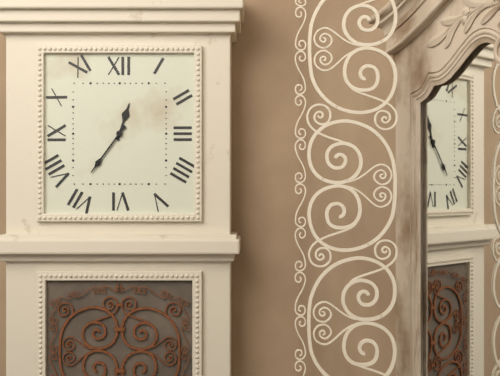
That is h=12 m=36
